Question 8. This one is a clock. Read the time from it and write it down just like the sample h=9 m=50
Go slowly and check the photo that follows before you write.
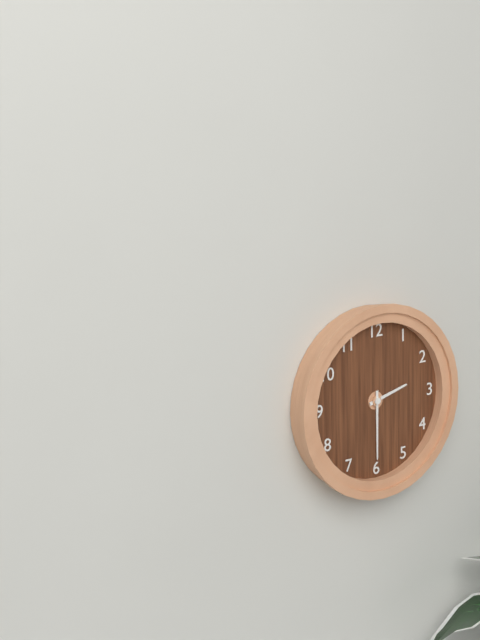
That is h=2 m=30
